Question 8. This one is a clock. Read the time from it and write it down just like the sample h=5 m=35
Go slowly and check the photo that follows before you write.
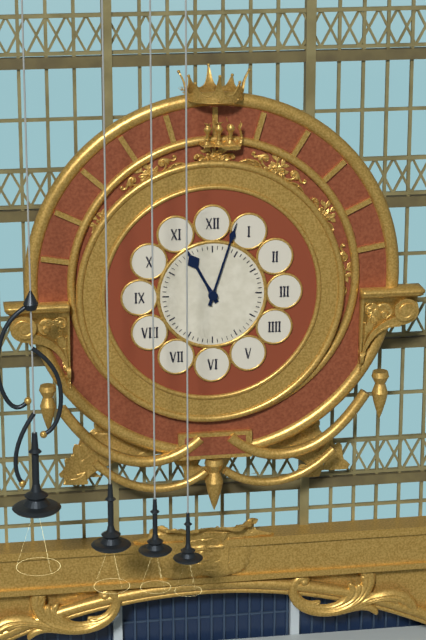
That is h=11 m=3
